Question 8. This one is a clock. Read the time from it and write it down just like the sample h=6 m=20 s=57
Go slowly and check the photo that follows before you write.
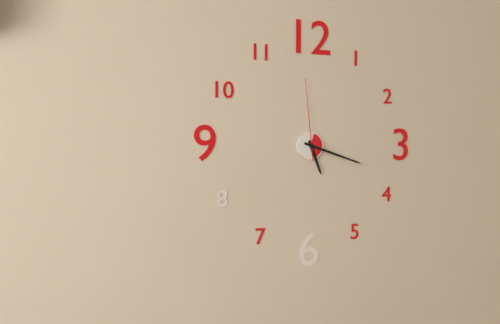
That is h=5 m=18 s=59
